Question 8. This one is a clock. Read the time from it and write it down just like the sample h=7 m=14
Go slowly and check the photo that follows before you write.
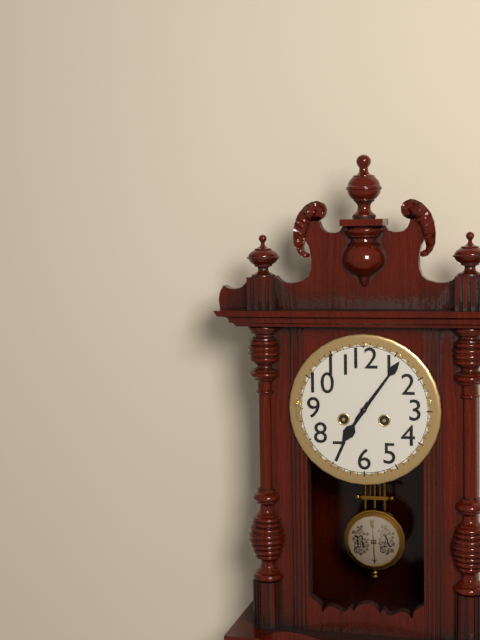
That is h=7 m=6
